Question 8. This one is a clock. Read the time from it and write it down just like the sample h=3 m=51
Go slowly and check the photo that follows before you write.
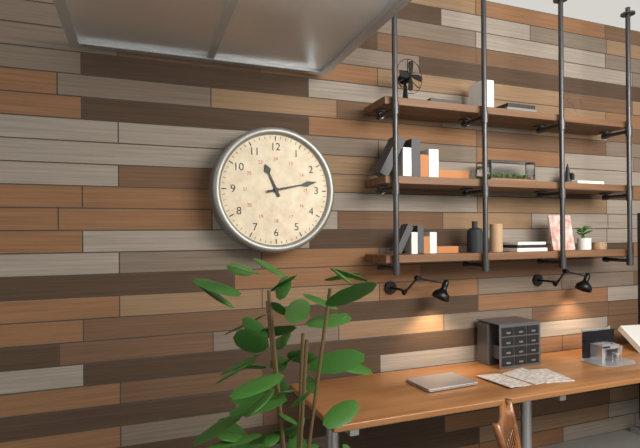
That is h=11 m=13
